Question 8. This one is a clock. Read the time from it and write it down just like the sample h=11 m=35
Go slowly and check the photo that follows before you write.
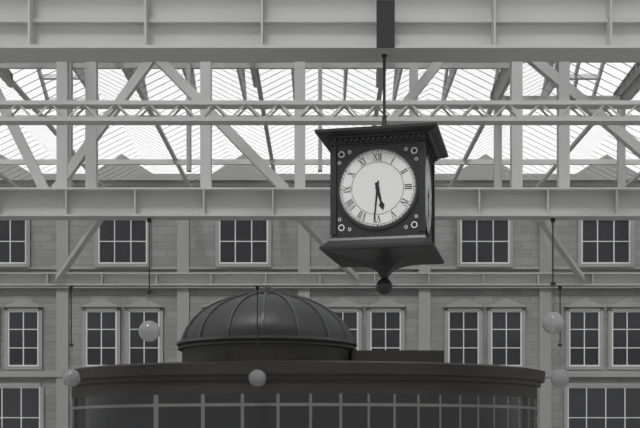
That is h=5 m=31
